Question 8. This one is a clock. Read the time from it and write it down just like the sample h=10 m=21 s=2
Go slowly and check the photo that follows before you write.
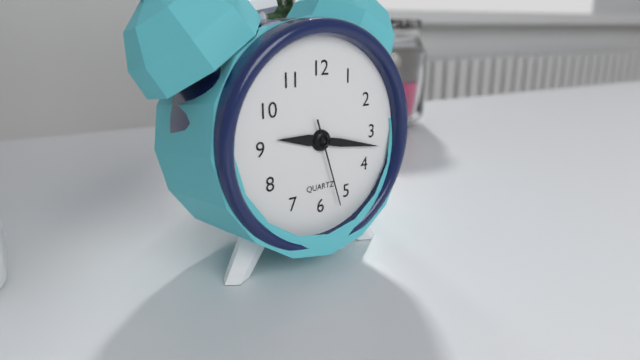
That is h=9 m=17 s=27
